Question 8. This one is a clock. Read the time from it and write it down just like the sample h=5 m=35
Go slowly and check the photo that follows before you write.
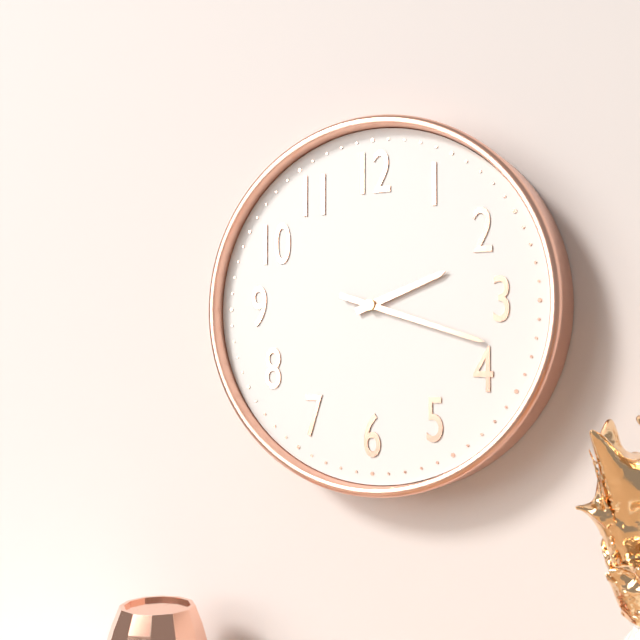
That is h=2 m=18
